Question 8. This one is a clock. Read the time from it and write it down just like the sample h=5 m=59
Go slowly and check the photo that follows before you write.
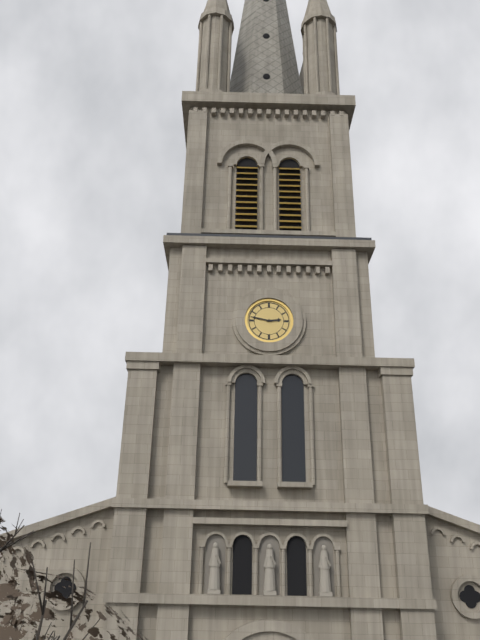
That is h=2 m=47
